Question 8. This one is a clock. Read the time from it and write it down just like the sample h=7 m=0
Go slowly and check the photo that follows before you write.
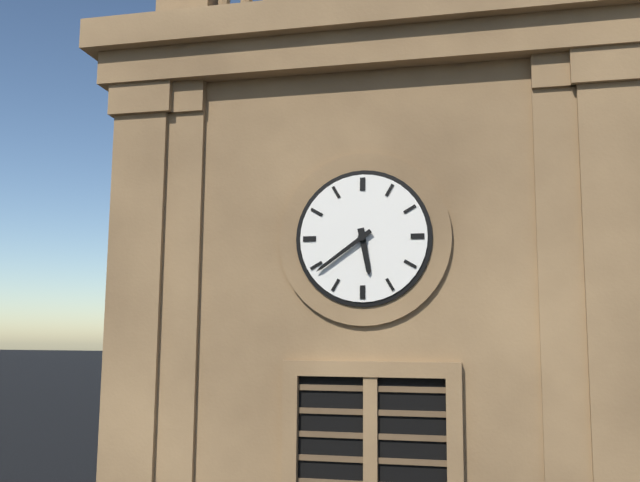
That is h=5 m=39
